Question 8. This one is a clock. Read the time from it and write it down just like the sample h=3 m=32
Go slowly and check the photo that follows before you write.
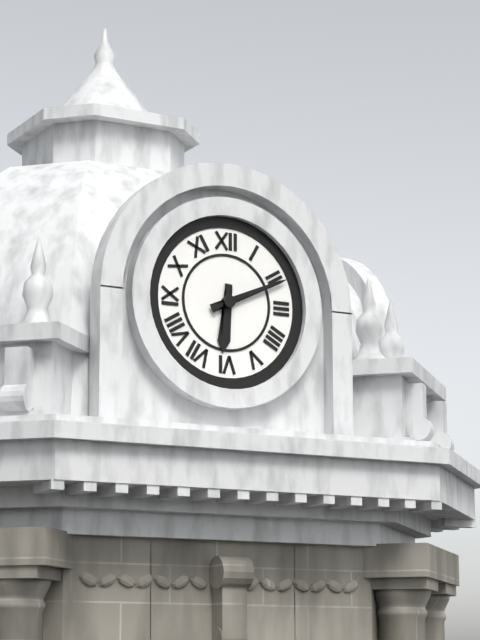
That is h=6 m=11
